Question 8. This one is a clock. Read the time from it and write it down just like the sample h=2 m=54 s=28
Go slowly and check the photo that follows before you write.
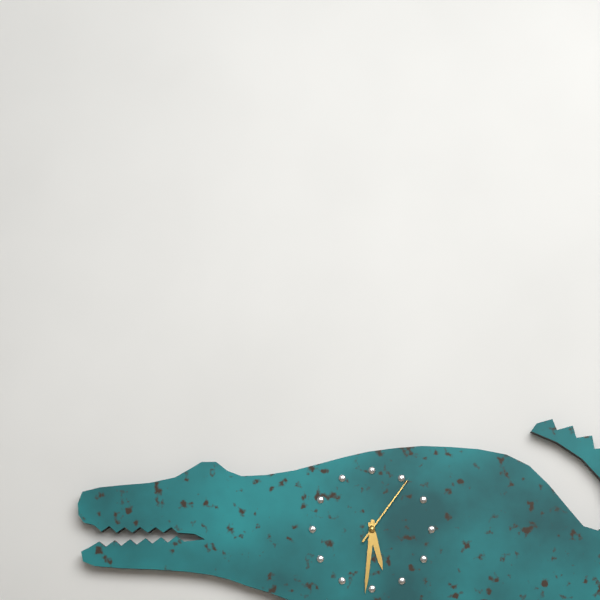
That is h=5 m=31 s=6
